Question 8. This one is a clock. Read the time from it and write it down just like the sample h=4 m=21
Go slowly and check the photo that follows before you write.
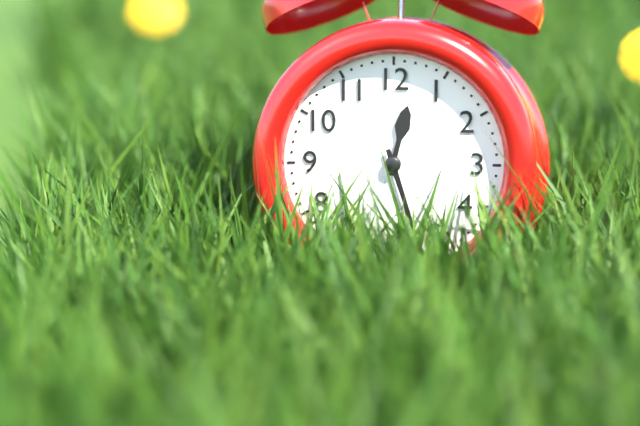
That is h=12 m=27
